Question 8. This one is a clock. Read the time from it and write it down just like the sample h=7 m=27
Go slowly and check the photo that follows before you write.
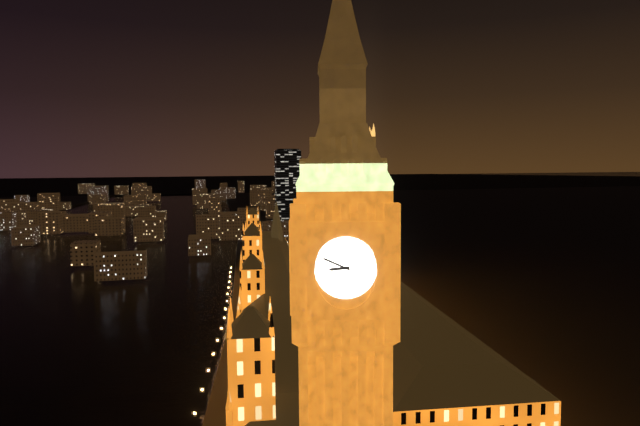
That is h=8 m=49
